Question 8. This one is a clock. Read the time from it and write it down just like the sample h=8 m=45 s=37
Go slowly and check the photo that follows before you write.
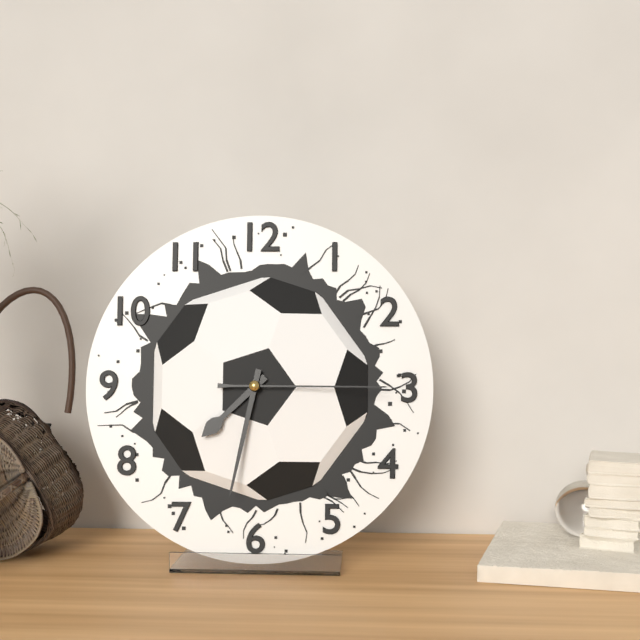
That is h=7 m=32 s=15
